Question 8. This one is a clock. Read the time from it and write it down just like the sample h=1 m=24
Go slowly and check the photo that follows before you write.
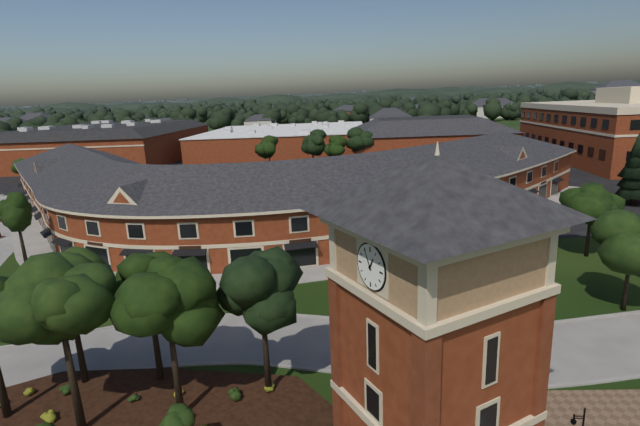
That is h=12 m=55
